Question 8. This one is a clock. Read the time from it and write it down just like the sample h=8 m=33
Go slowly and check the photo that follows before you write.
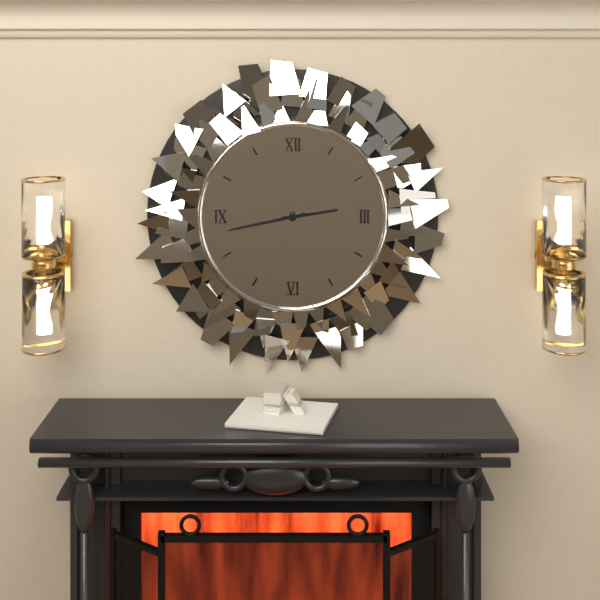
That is h=2 m=43
